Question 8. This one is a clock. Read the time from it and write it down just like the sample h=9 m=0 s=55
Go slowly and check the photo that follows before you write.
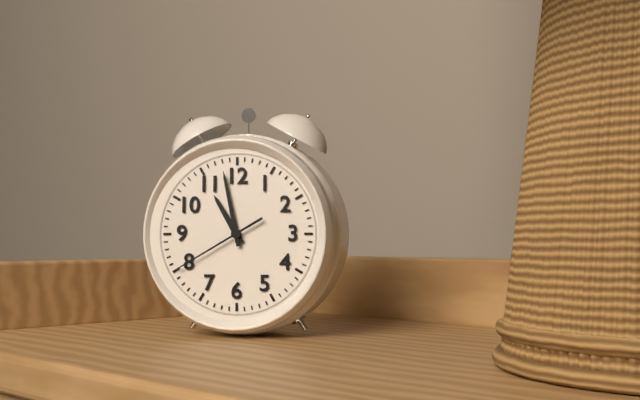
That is h=10 m=58 s=40
